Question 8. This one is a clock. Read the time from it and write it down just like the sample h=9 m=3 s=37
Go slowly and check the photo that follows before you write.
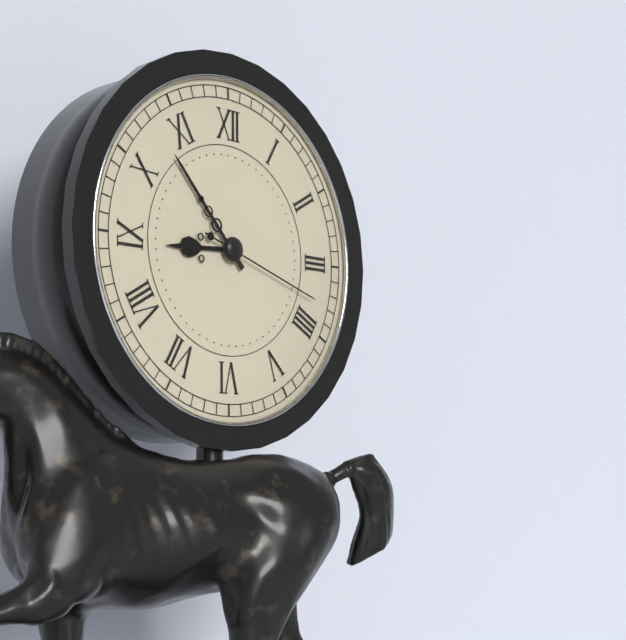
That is h=8 m=53 s=18
